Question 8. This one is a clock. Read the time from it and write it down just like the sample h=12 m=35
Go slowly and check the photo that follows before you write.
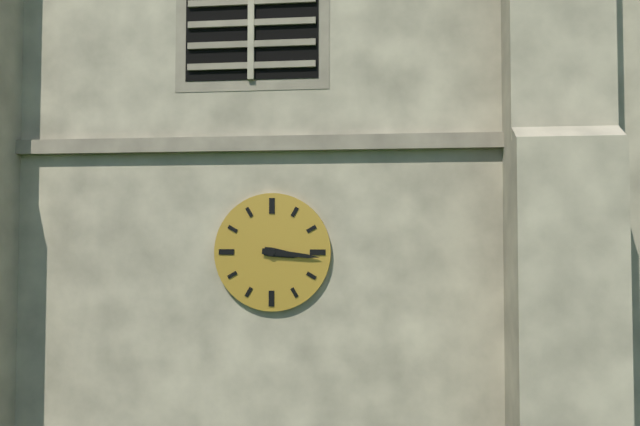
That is h=3 m=16
